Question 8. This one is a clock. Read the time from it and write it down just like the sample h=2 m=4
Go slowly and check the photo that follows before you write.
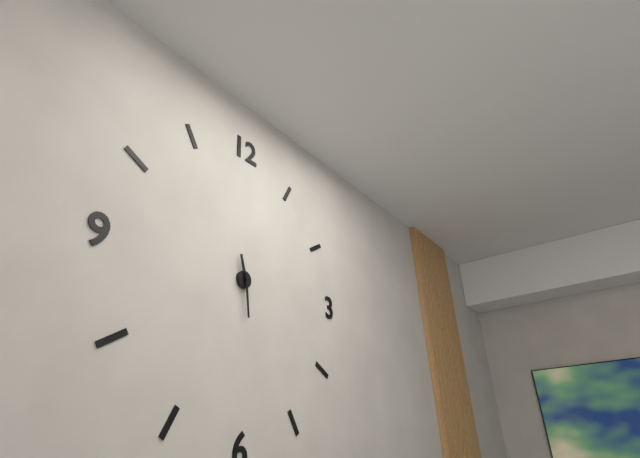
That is h=11 m=29
